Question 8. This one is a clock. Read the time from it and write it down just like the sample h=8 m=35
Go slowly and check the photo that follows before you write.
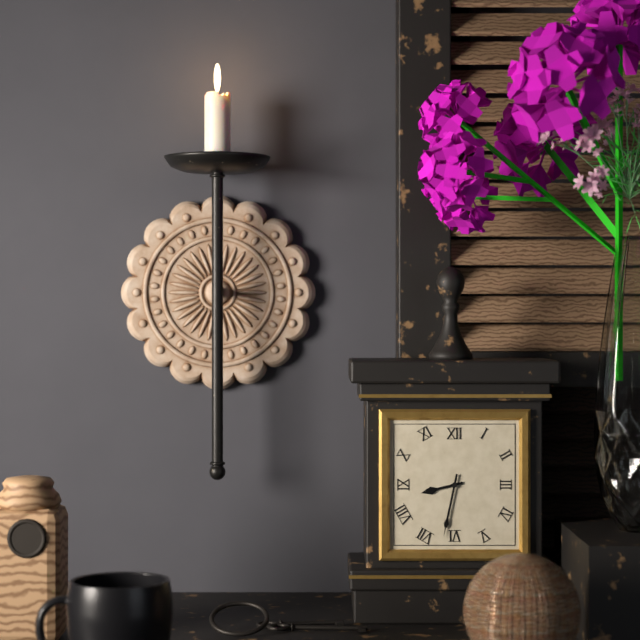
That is h=8 m=32
